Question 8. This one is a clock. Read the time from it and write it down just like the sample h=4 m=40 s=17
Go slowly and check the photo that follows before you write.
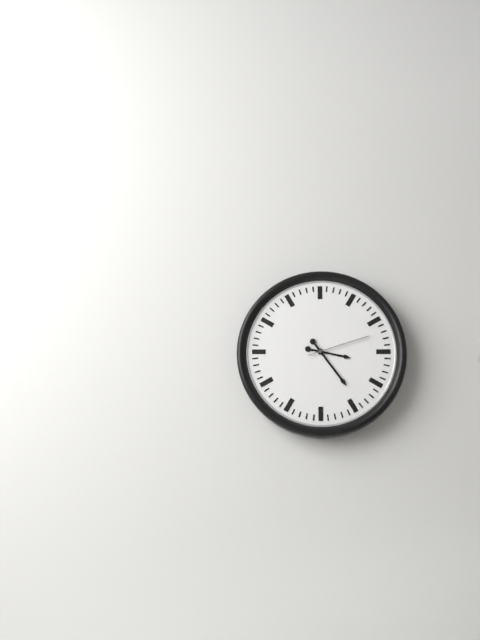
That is h=3 m=24 s=12
